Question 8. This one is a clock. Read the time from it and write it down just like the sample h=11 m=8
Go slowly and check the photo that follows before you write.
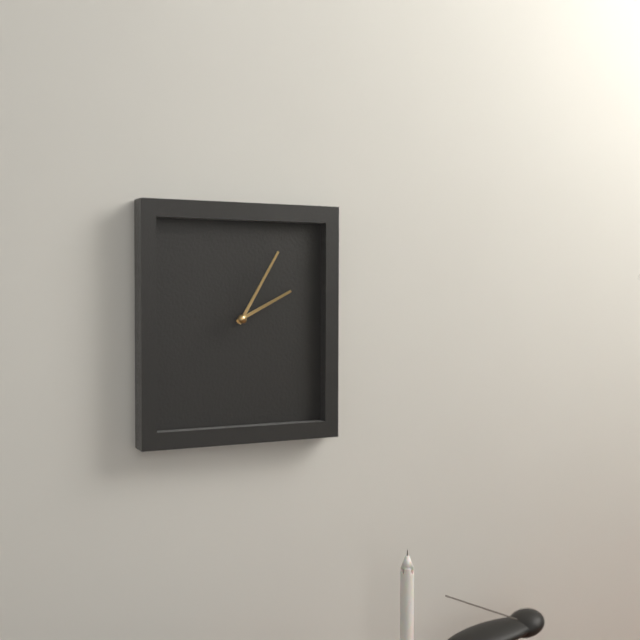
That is h=2 m=5
